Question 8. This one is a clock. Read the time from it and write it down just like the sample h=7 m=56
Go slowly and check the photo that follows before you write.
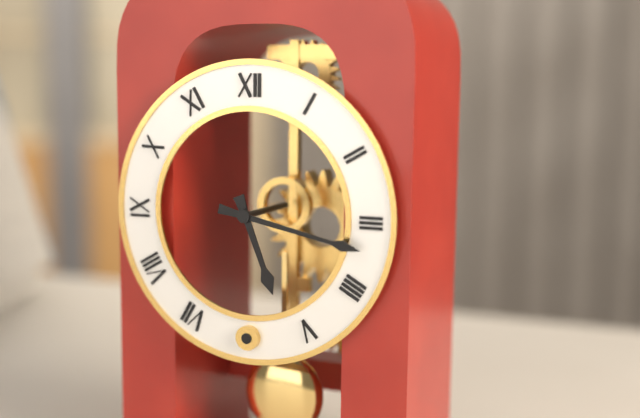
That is h=5 m=17
